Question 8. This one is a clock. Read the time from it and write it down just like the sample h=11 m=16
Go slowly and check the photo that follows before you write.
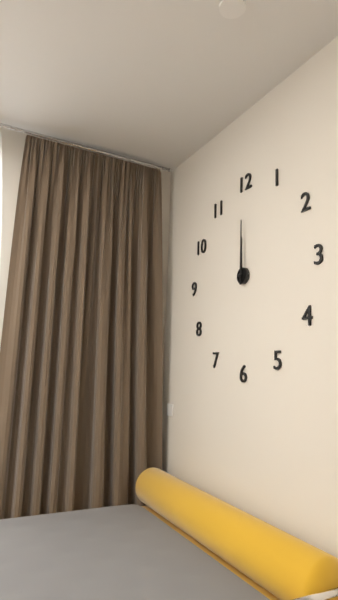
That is h=12 m=0
